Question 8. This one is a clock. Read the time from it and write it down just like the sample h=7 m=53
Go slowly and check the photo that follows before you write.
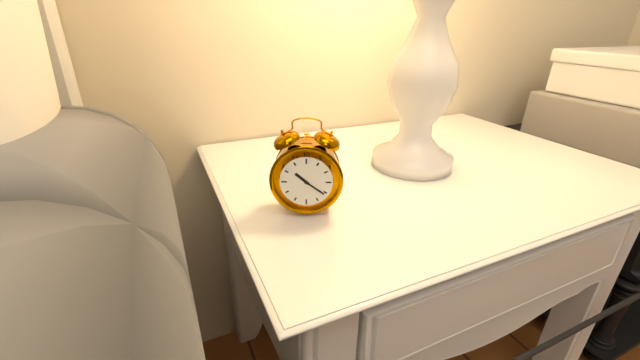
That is h=10 m=21
